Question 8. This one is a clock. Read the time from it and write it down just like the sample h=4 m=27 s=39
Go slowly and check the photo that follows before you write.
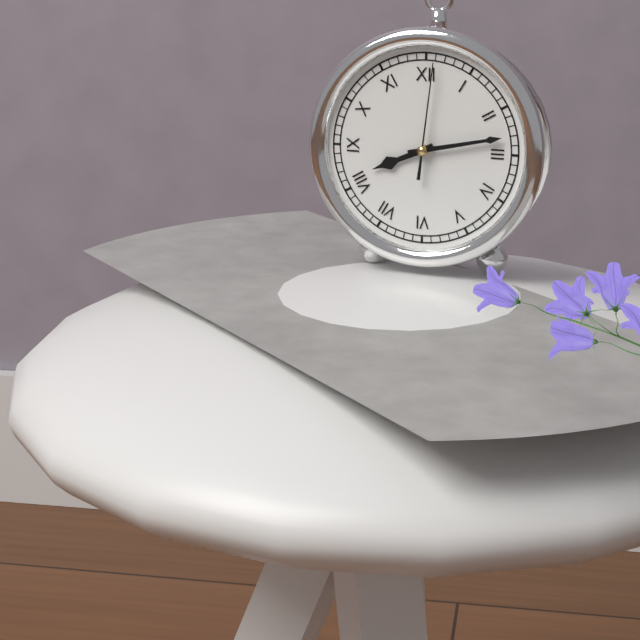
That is h=8 m=13 s=1
